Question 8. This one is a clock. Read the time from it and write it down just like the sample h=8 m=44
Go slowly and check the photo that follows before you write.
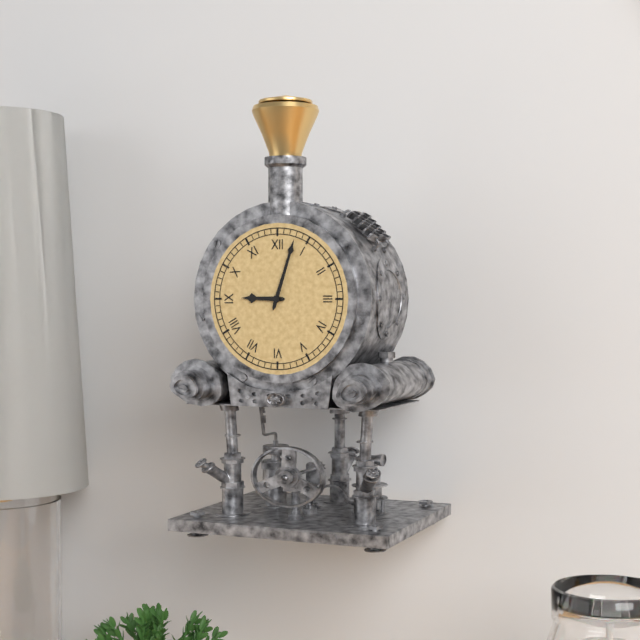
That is h=9 m=3
